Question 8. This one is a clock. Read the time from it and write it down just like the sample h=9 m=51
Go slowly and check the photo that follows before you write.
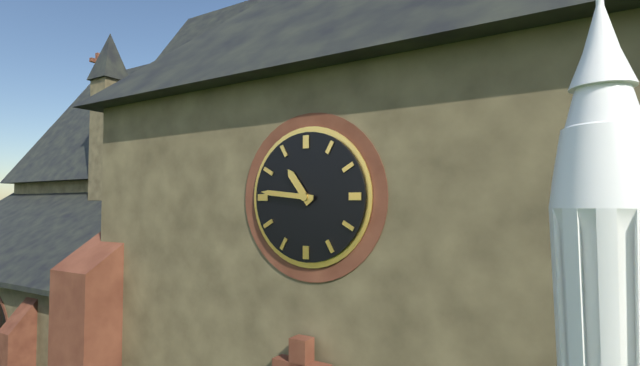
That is h=10 m=46
